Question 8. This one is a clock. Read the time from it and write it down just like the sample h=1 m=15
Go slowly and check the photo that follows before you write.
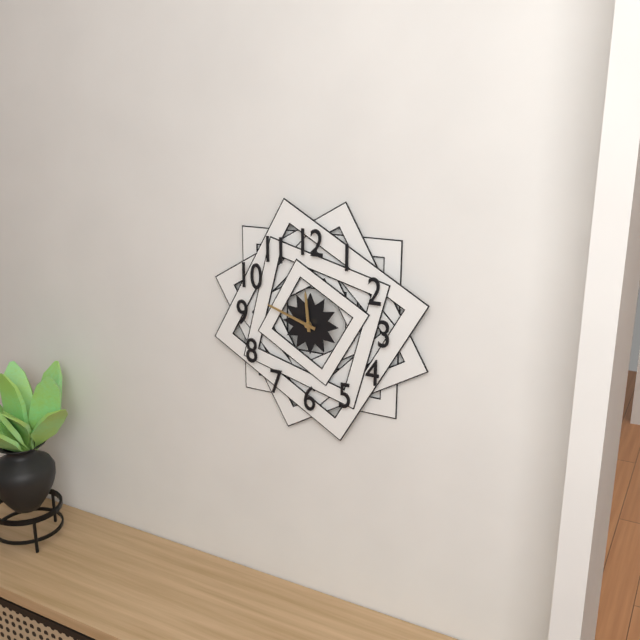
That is h=11 m=48
